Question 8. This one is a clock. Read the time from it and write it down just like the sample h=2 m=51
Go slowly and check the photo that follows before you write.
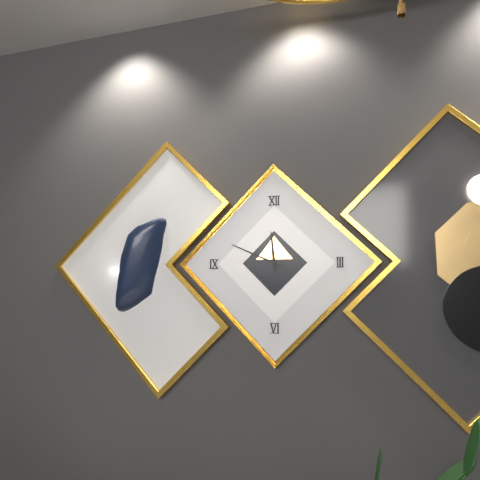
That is h=11 m=49
